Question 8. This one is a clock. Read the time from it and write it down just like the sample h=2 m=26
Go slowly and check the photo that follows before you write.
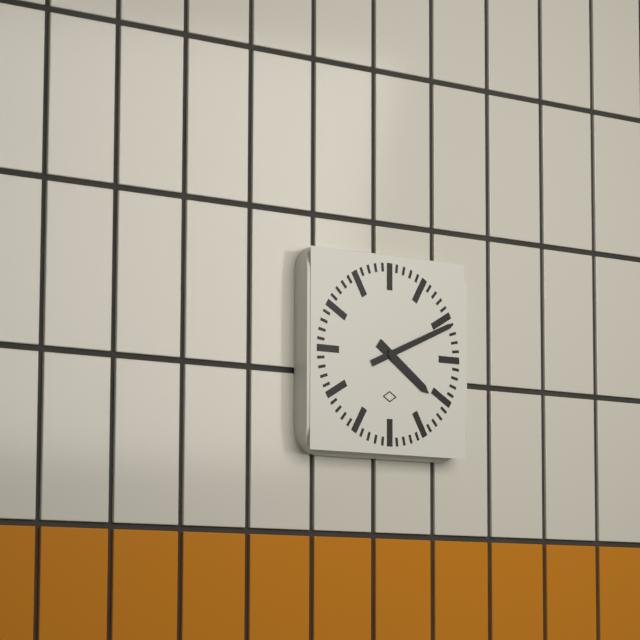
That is h=4 m=11
